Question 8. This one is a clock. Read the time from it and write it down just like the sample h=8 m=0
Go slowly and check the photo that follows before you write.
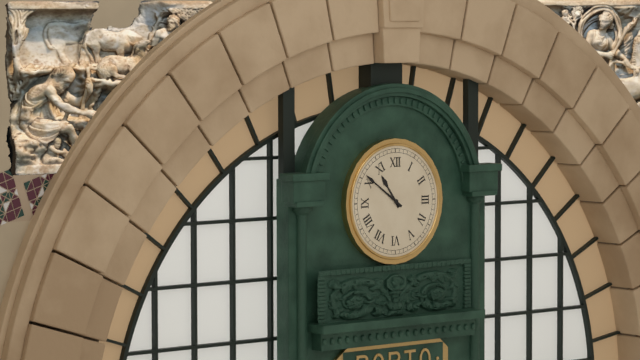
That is h=10 m=51
